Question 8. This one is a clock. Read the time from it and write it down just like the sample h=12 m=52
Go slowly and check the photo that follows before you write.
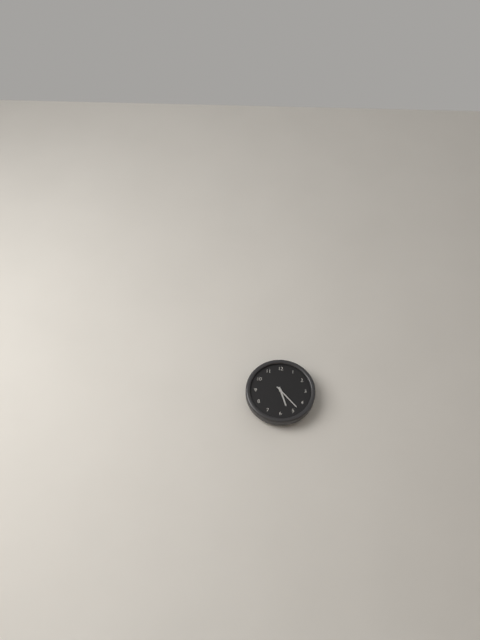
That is h=5 m=23
